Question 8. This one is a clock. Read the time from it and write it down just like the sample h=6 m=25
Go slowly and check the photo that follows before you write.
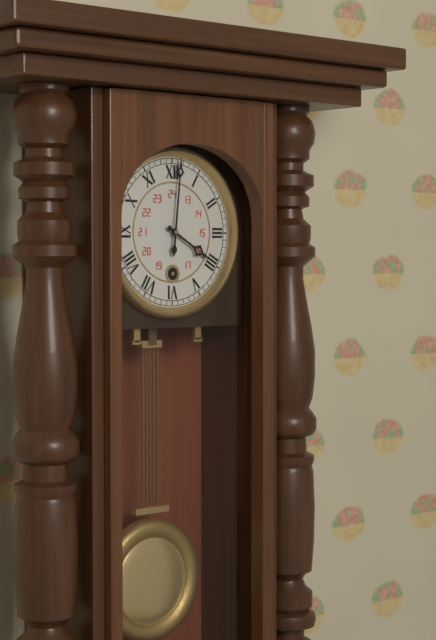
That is h=4 m=1
